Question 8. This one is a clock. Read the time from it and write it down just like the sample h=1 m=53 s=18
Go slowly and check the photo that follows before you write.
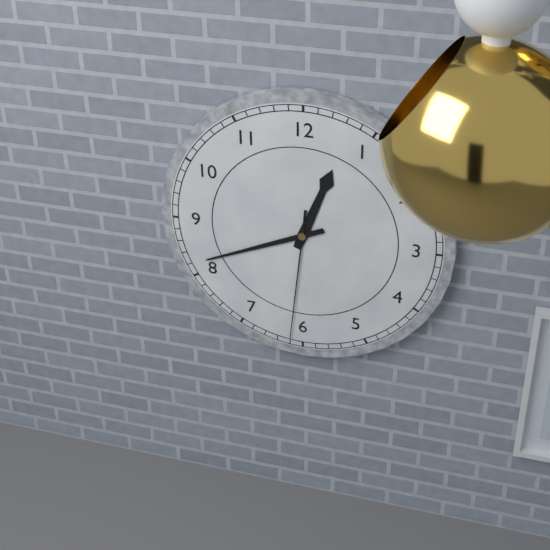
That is h=12 m=41 s=31
